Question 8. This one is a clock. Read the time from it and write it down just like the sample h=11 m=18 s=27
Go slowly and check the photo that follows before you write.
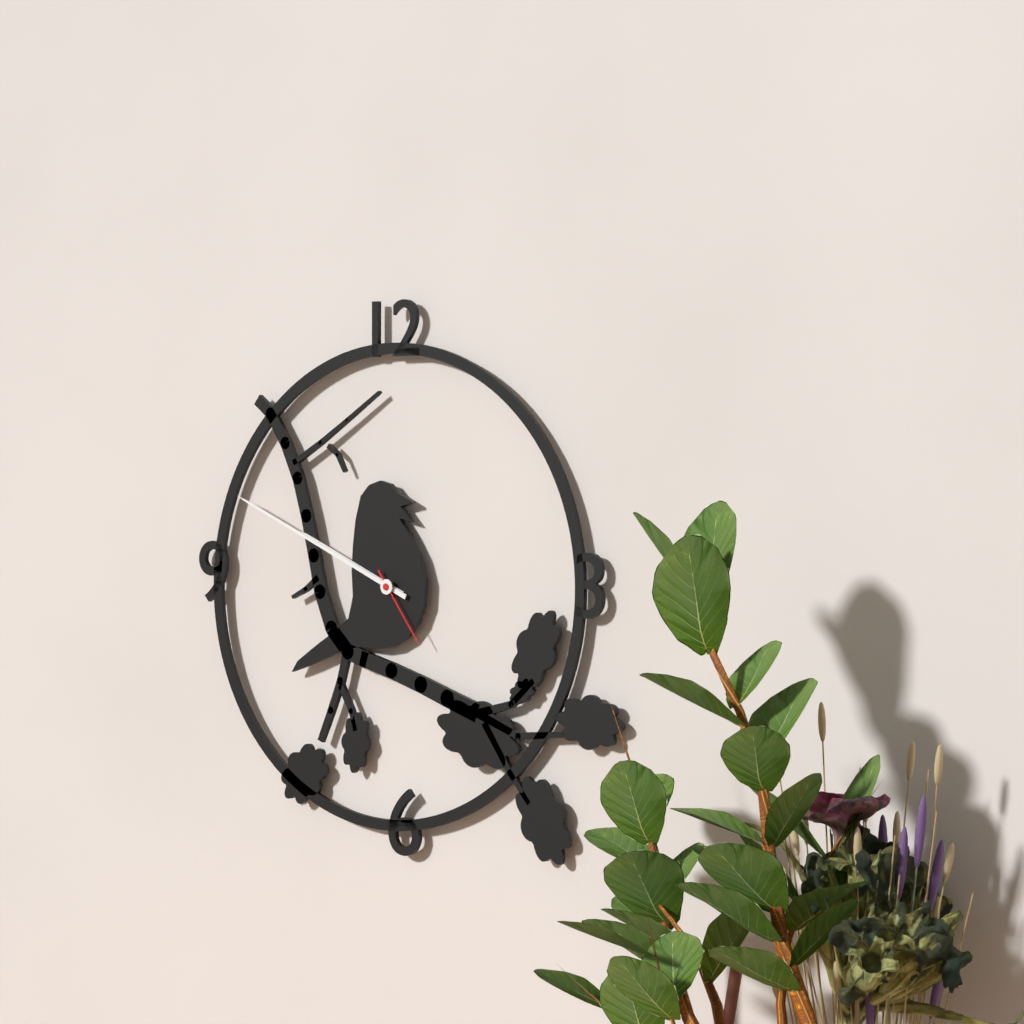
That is h=9 m=49 s=24
